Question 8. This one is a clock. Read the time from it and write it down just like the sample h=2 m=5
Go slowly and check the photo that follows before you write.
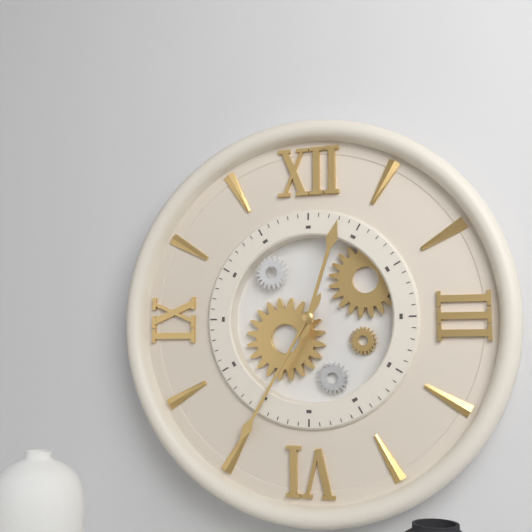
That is h=12 m=35
